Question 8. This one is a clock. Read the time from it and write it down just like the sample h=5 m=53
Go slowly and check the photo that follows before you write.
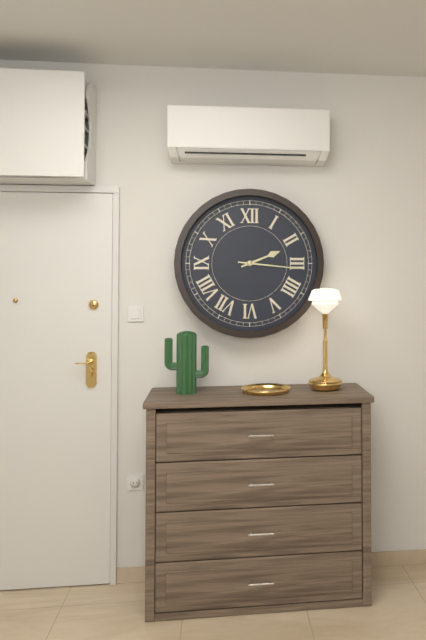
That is h=2 m=16
